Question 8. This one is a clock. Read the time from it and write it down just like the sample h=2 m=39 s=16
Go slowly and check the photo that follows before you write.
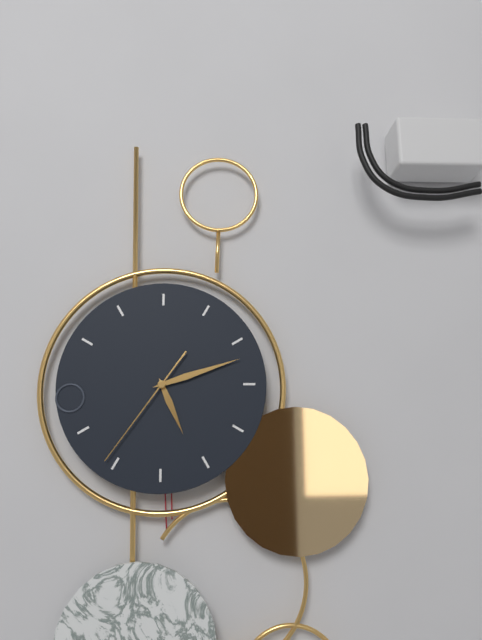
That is h=5 m=12 s=36
